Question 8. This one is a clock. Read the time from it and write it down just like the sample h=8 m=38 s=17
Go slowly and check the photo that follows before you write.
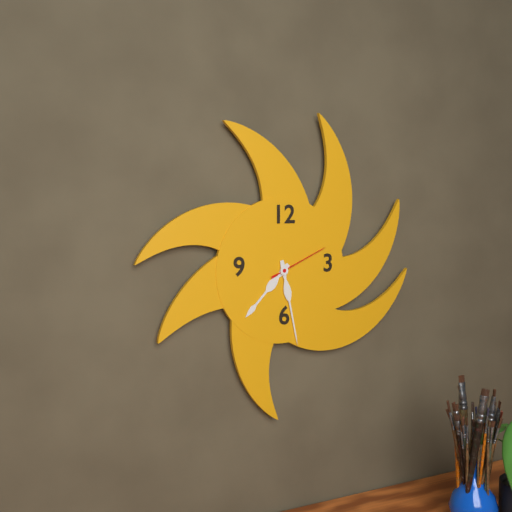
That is h=7 m=28 s=11
